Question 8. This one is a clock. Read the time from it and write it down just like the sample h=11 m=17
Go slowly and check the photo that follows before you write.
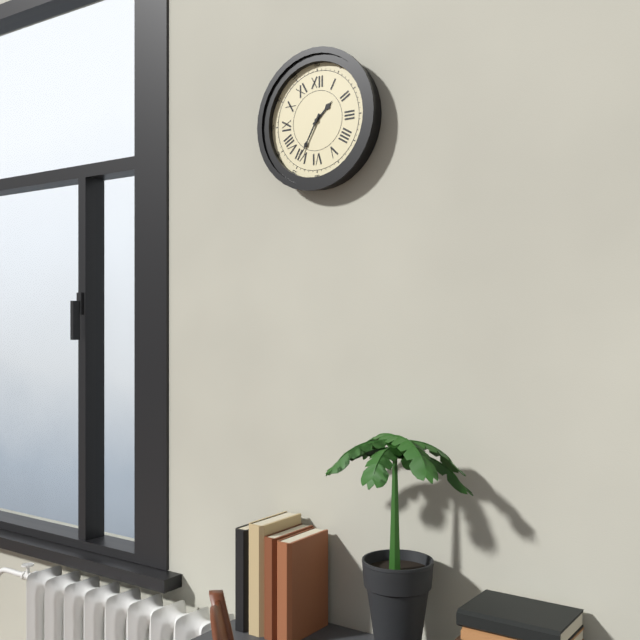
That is h=1 m=35
